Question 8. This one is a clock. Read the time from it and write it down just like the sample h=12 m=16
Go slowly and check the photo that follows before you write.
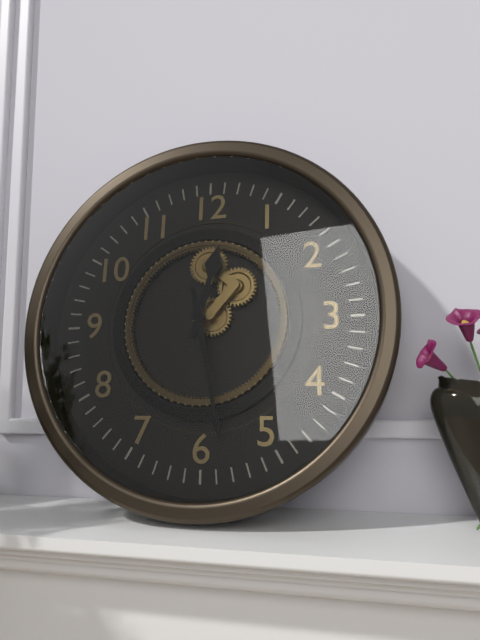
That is h=12 m=28
